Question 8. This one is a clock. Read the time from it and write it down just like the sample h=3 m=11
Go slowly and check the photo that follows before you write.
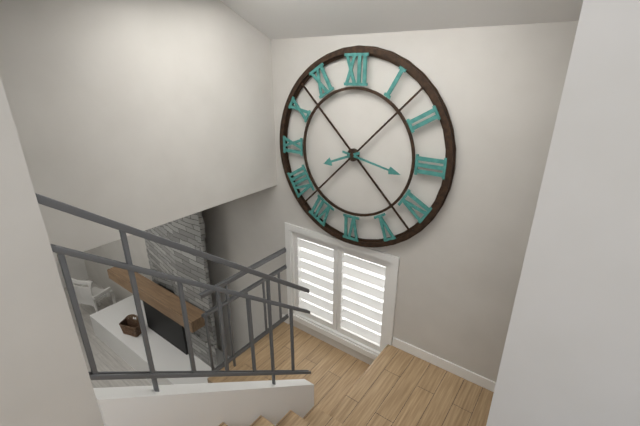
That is h=8 m=17
